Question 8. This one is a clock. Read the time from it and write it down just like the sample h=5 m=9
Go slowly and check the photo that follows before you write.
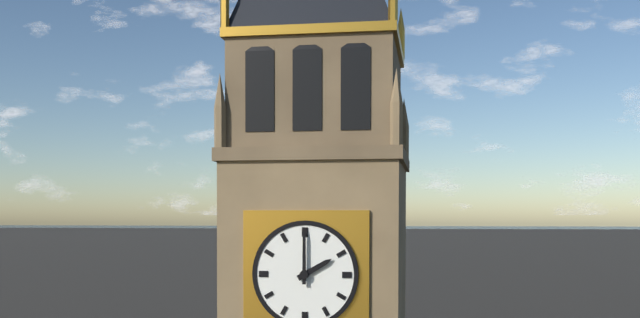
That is h=2 m=0
